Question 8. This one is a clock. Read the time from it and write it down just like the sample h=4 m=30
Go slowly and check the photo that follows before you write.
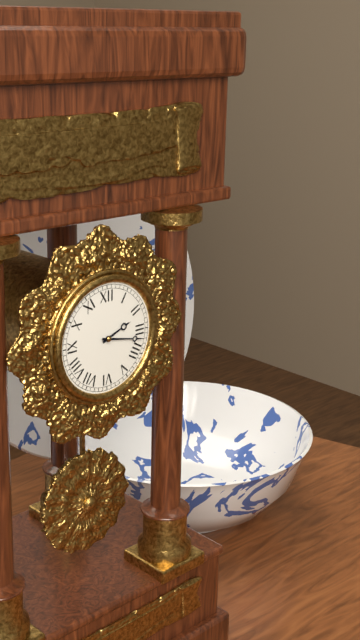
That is h=2 m=17
